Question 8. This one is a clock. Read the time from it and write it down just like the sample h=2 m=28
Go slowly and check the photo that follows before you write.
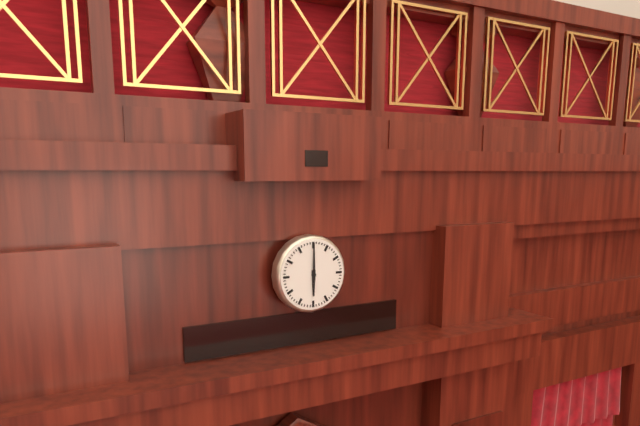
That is h=6 m=0
